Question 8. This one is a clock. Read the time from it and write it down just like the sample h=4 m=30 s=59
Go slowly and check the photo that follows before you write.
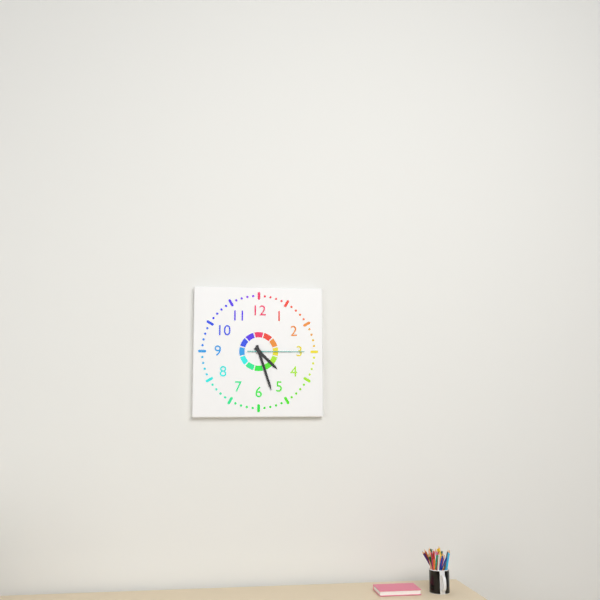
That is h=4 m=27 s=15
